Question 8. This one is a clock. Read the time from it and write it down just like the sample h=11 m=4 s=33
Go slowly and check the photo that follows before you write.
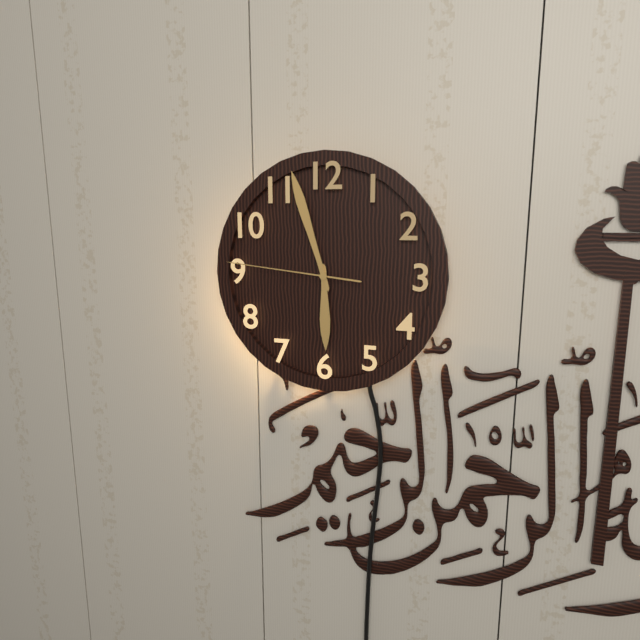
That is h=5 m=57 s=46
